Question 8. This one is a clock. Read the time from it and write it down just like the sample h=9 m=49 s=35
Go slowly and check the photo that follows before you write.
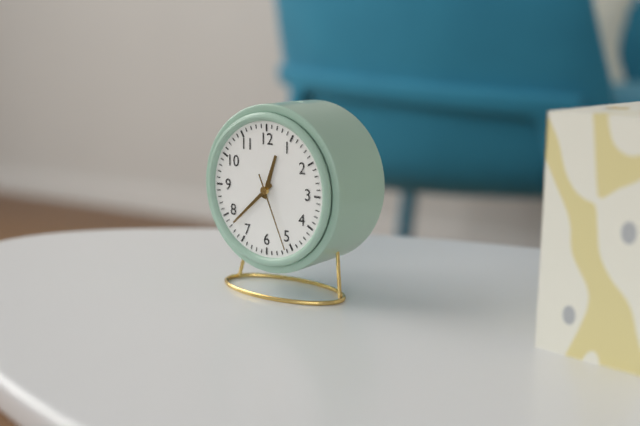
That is h=12 m=38 s=26
